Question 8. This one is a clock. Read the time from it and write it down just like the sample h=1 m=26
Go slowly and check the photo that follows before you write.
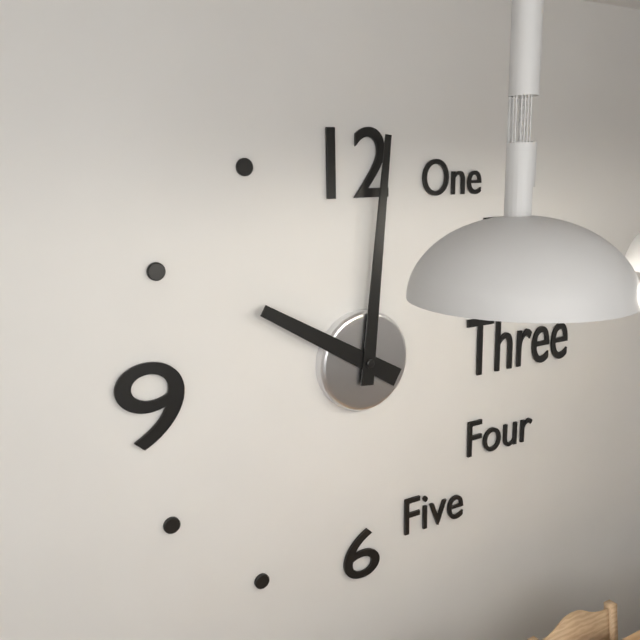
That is h=10 m=1
